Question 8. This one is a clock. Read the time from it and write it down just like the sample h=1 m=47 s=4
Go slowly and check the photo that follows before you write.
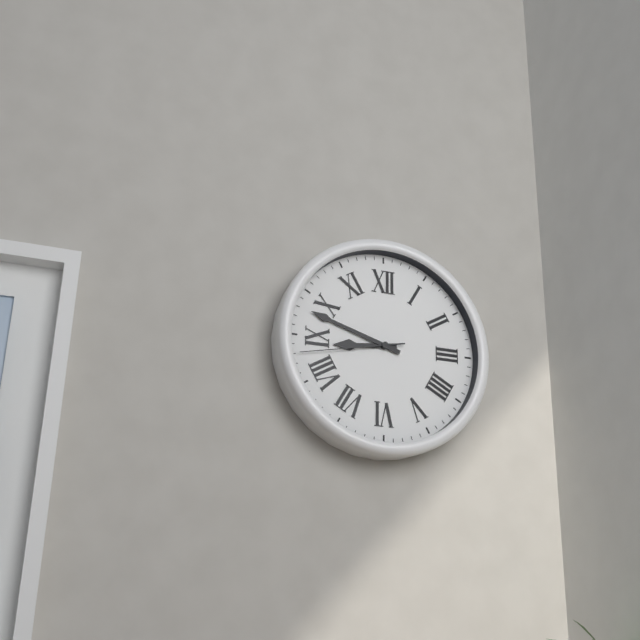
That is h=8 m=48 s=43
